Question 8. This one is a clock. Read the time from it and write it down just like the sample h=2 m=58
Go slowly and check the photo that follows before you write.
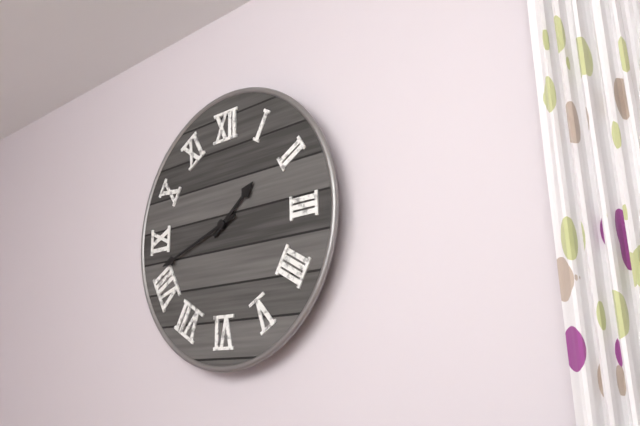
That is h=1 m=42
